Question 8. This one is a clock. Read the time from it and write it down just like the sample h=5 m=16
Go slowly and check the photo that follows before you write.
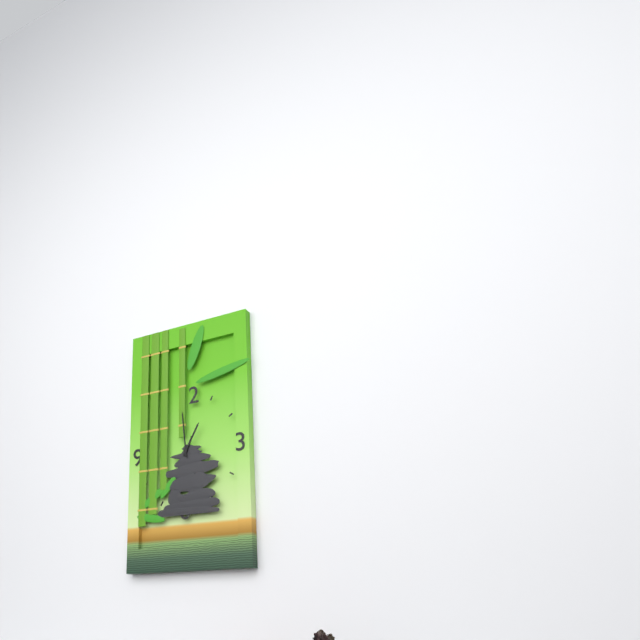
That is h=12 m=59
